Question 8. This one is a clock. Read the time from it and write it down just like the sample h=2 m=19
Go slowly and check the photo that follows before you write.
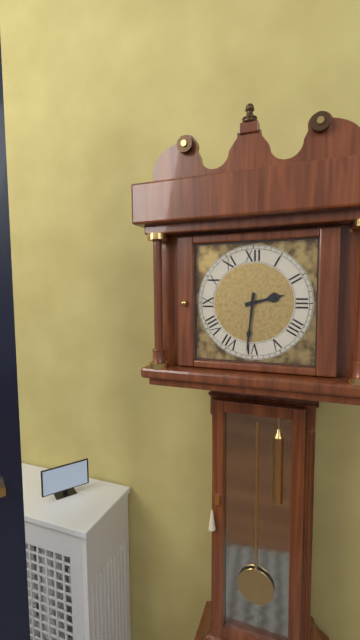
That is h=2 m=31
